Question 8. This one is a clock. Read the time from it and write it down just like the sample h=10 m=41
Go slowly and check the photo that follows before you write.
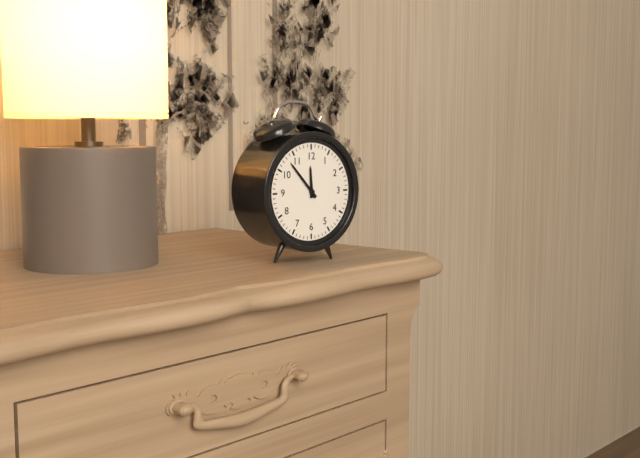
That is h=11 m=53
